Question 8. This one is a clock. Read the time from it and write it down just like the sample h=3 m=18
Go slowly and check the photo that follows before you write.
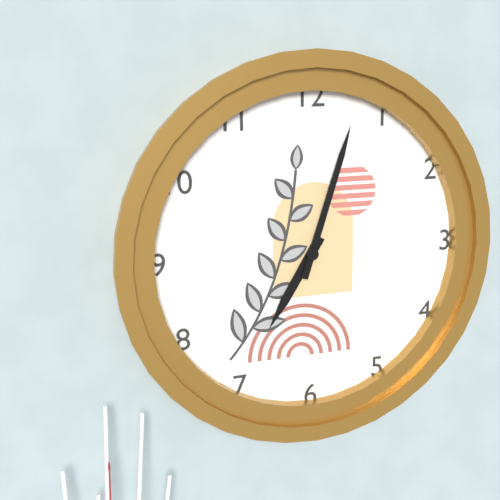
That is h=7 m=3
